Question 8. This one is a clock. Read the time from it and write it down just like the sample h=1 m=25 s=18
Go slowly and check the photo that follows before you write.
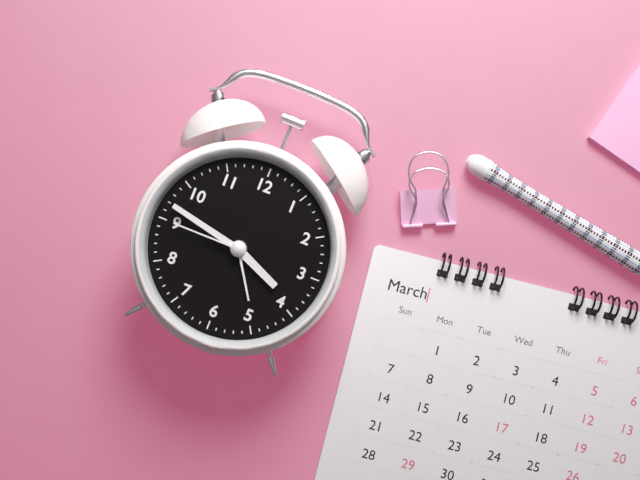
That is h=3 m=47 s=45
